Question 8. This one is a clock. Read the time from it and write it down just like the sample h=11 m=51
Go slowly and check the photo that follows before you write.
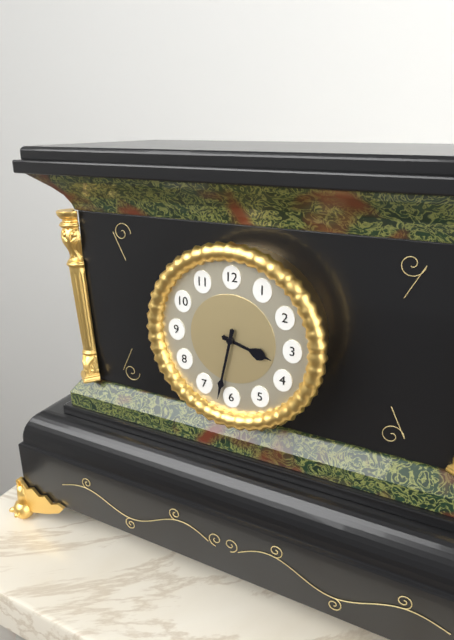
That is h=3 m=32
